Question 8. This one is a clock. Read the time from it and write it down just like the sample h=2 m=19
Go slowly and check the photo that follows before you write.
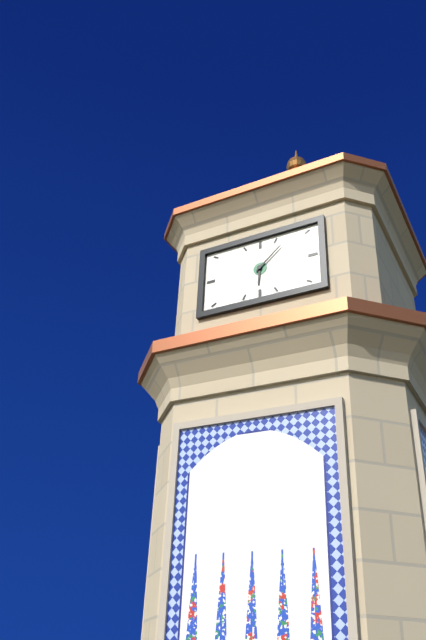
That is h=6 m=8
